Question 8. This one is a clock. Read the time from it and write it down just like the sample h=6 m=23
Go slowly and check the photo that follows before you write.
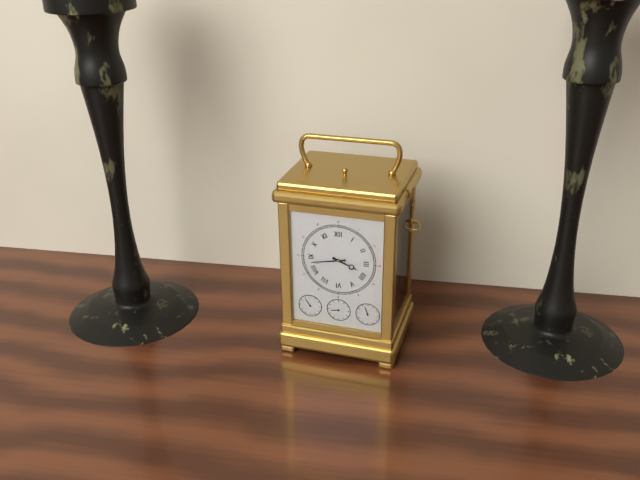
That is h=3 m=43
